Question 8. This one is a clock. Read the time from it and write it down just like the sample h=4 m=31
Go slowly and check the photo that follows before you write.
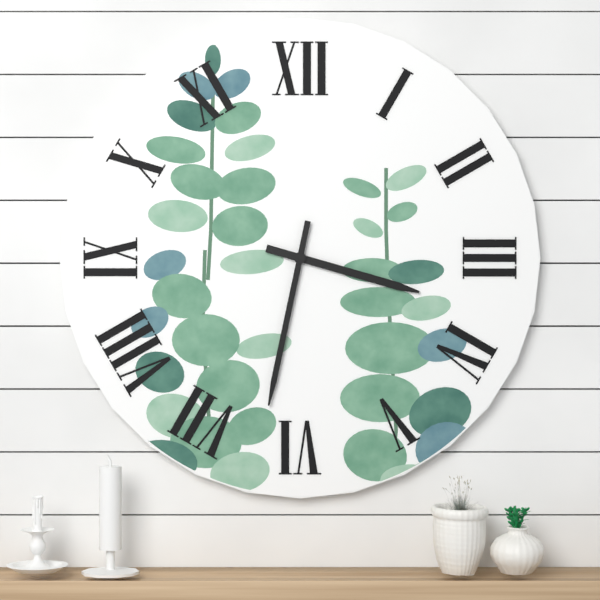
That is h=3 m=32
